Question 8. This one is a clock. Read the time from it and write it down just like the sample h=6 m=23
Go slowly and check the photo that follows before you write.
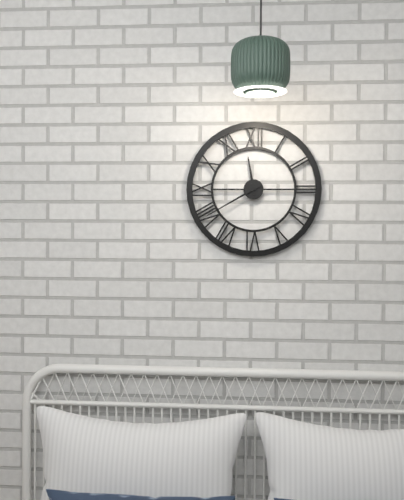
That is h=11 m=40
